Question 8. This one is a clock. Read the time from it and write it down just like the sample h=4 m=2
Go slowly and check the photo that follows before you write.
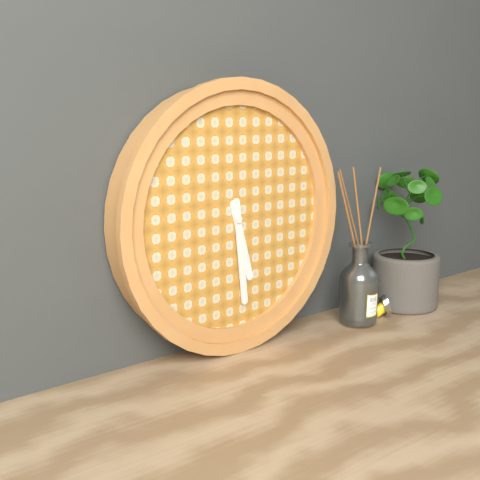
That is h=5 m=29
